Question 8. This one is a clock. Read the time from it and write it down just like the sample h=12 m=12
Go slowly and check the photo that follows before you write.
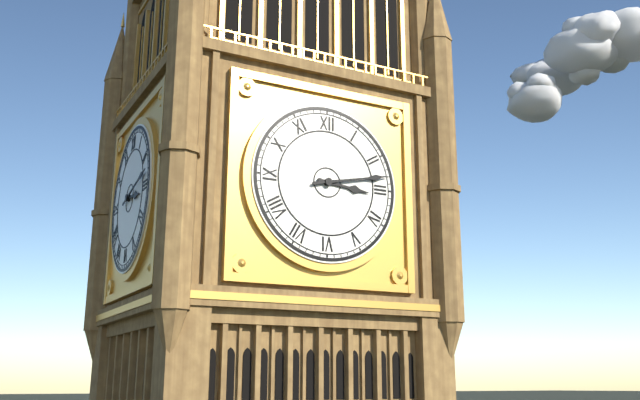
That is h=3 m=13
